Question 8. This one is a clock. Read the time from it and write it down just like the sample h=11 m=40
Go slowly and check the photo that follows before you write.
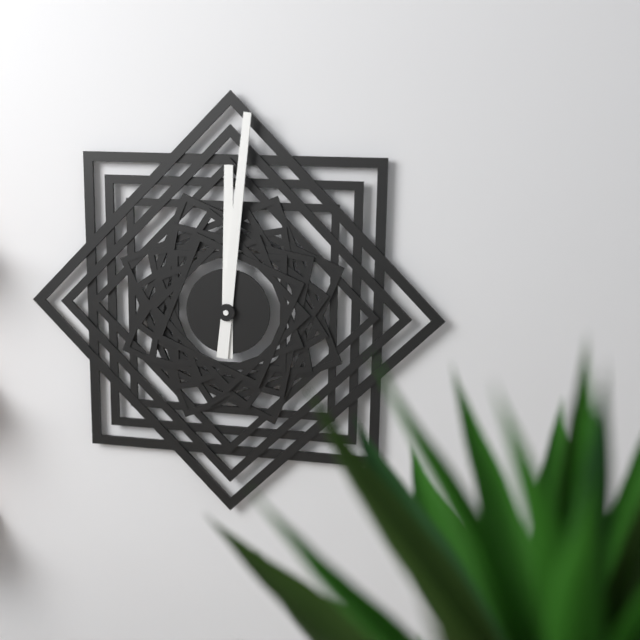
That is h=12 m=1
